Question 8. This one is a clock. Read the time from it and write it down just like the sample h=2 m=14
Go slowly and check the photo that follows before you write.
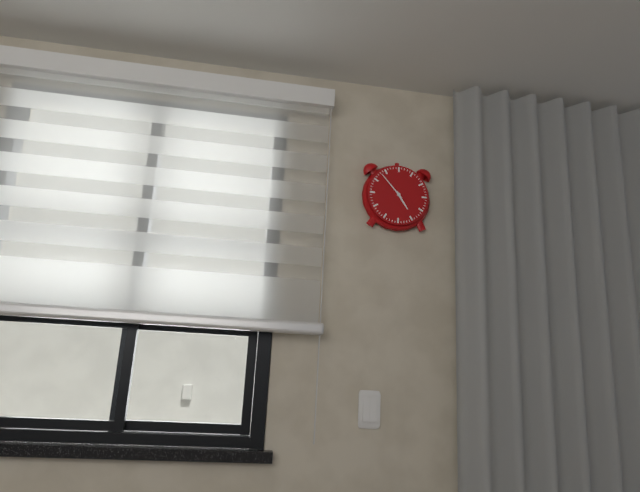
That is h=4 m=53
